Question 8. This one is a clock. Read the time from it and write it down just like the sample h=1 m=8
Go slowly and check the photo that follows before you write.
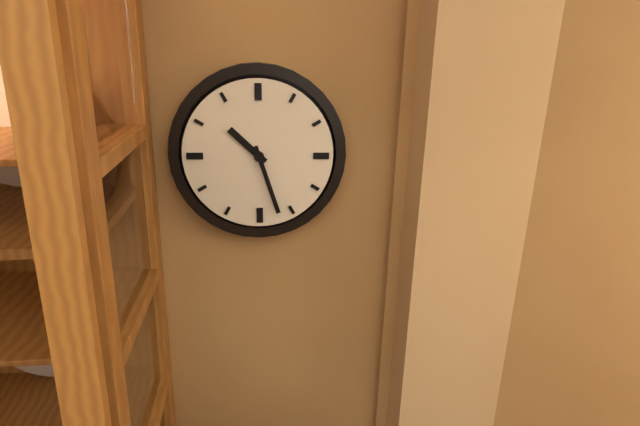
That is h=10 m=27
